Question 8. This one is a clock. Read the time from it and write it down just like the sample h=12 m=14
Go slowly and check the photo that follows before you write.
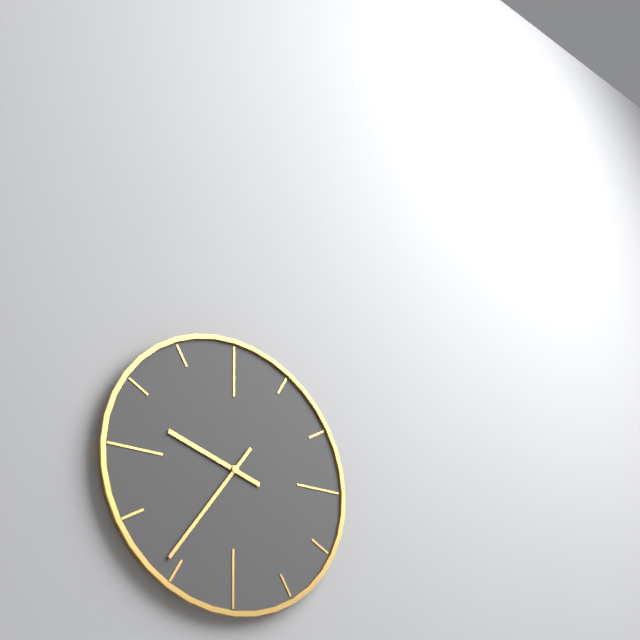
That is h=9 m=36
